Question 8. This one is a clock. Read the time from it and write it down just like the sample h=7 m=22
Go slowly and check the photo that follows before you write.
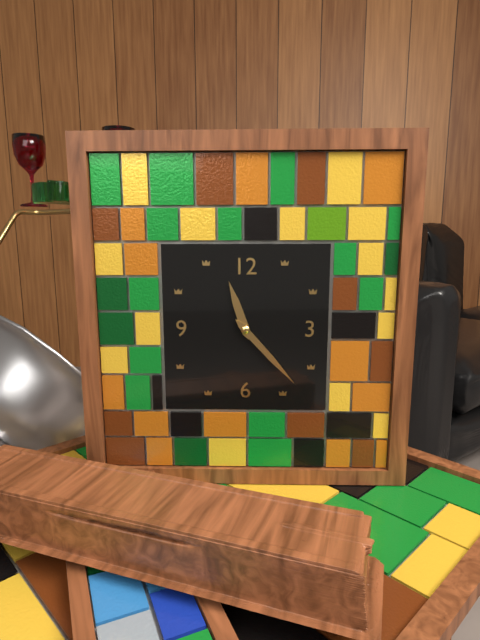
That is h=11 m=23
